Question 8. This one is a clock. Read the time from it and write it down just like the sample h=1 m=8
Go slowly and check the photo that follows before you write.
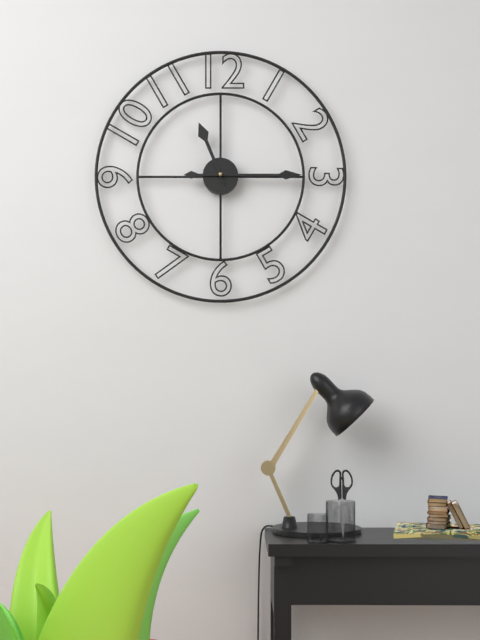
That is h=11 m=15
